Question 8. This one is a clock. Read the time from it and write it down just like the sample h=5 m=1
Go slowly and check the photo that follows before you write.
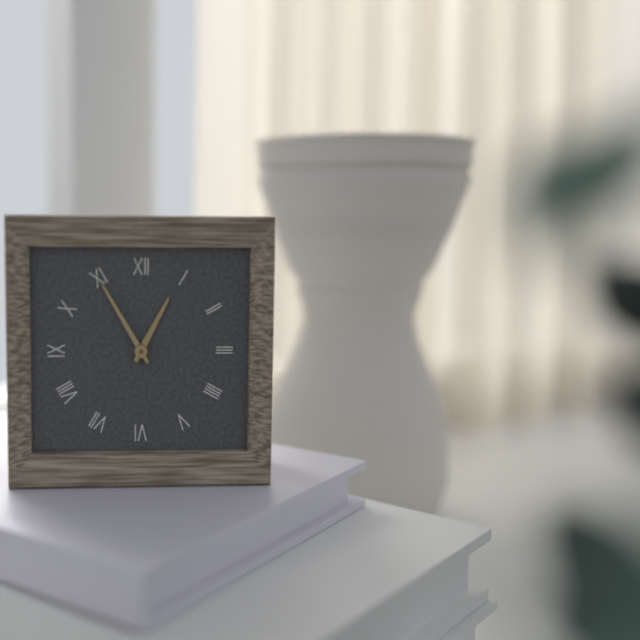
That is h=12 m=55
